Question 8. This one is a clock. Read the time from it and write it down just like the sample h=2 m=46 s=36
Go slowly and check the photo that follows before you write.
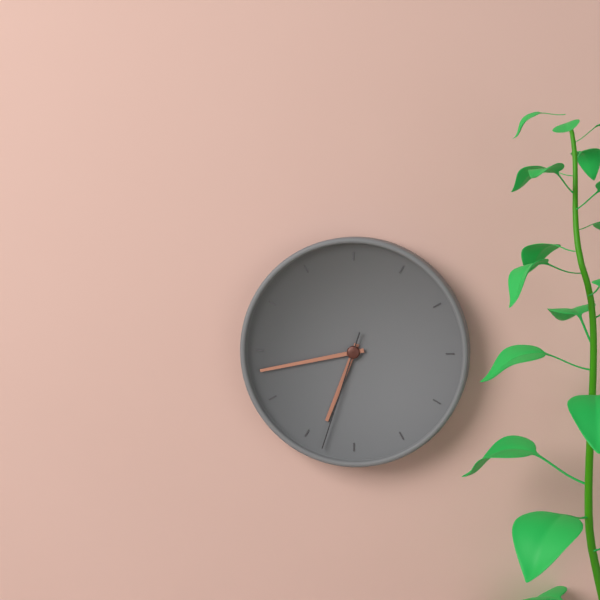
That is h=6 m=43 s=33
